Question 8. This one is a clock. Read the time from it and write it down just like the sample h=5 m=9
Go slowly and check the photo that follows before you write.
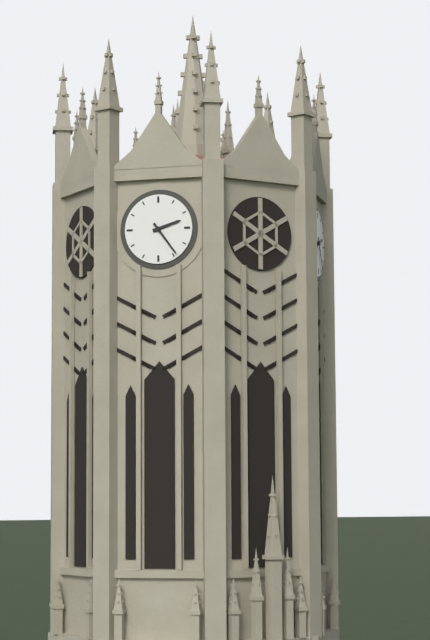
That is h=2 m=24
